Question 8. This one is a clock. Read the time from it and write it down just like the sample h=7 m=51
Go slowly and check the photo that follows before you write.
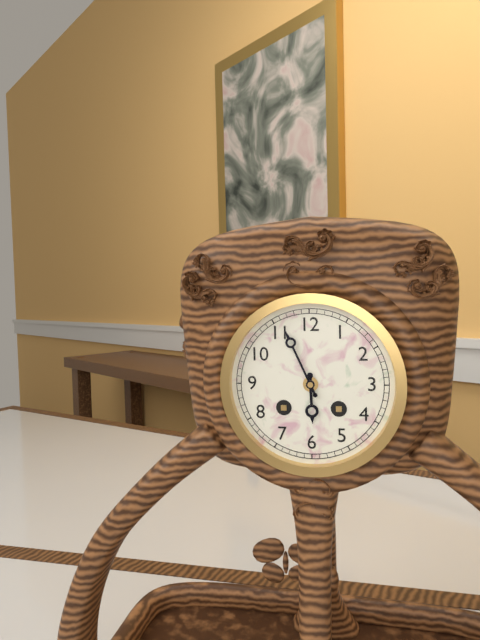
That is h=5 m=56
